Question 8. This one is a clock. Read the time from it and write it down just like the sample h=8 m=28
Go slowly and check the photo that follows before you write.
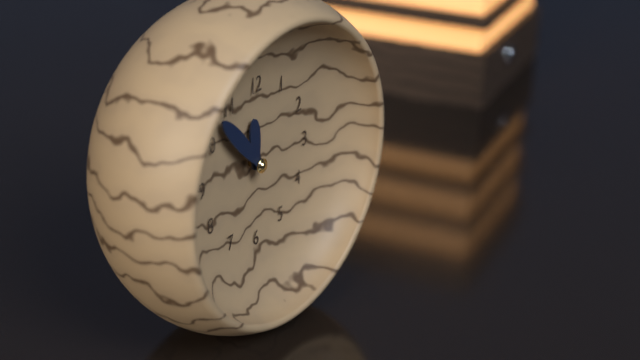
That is h=11 m=53
